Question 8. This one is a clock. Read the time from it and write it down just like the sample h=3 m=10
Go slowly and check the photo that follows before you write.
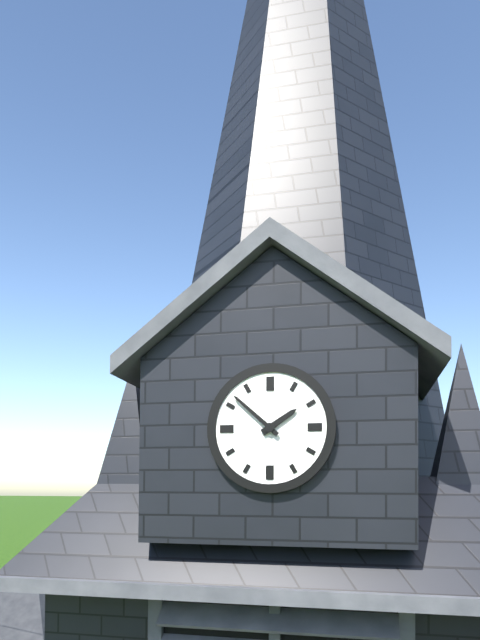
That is h=1 m=52
